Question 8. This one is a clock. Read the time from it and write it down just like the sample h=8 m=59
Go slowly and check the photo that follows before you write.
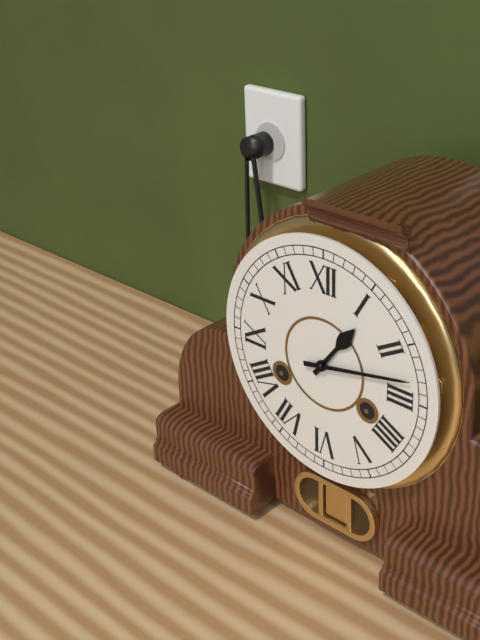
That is h=1 m=13
